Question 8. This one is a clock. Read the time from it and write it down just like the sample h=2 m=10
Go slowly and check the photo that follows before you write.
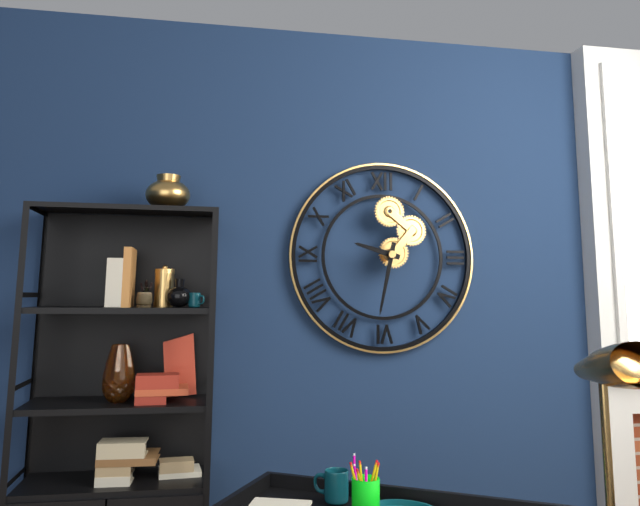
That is h=9 m=32
